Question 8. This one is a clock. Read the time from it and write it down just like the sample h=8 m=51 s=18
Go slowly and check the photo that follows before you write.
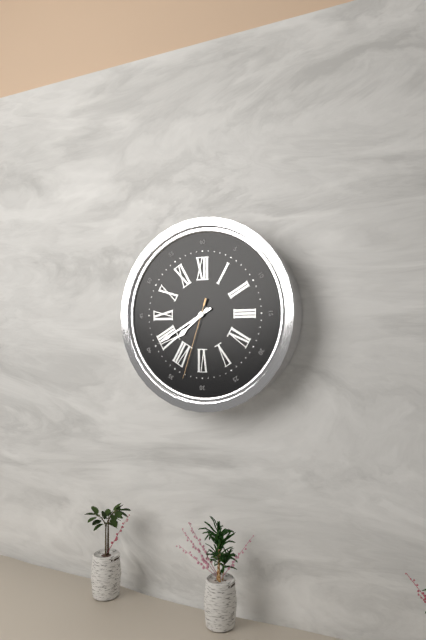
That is h=7 m=40 s=33
